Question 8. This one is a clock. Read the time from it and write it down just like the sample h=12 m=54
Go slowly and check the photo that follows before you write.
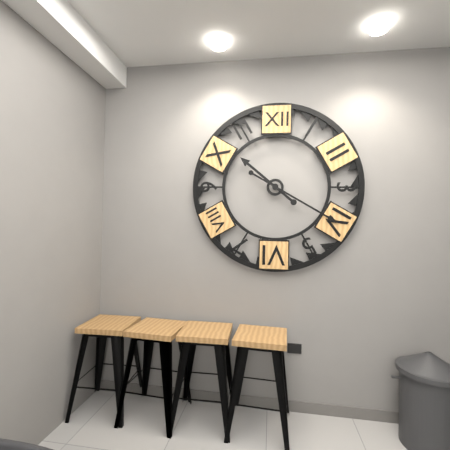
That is h=10 m=20
